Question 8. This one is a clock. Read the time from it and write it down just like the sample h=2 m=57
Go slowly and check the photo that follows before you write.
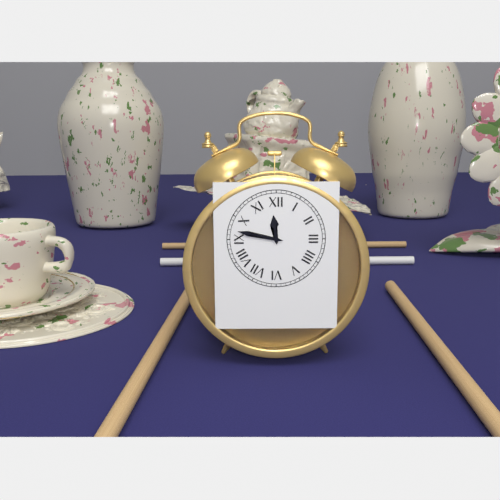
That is h=11 m=47
